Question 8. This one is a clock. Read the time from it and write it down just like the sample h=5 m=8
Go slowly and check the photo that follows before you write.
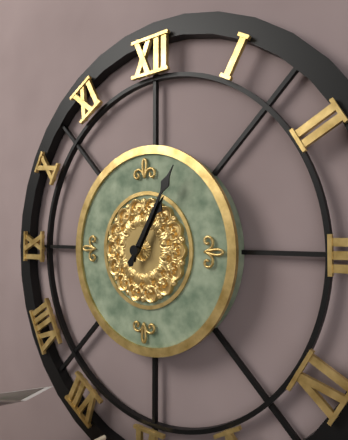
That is h=1 m=5
